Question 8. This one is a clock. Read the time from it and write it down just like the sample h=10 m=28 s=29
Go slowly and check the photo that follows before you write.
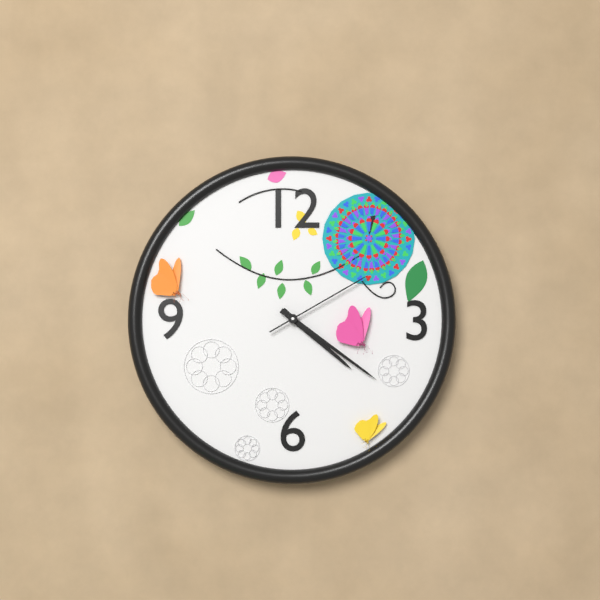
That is h=4 m=21 s=10
